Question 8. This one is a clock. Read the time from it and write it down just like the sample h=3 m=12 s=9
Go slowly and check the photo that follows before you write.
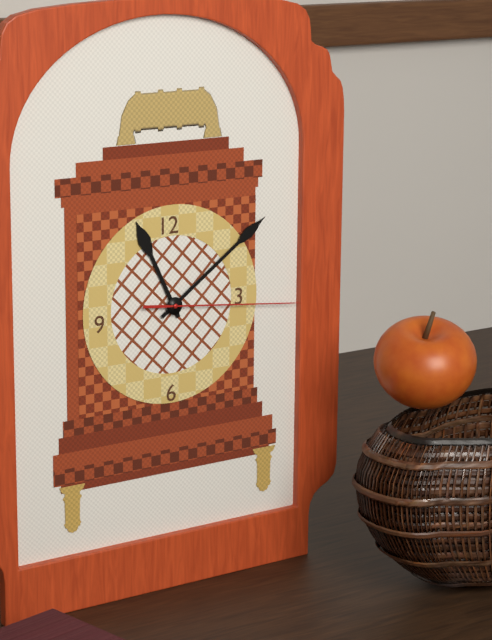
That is h=11 m=9 s=16
